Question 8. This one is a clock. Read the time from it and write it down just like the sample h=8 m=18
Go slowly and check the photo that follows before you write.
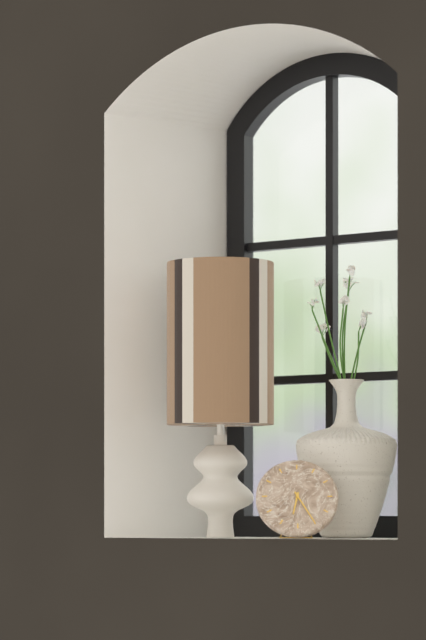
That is h=6 m=25
